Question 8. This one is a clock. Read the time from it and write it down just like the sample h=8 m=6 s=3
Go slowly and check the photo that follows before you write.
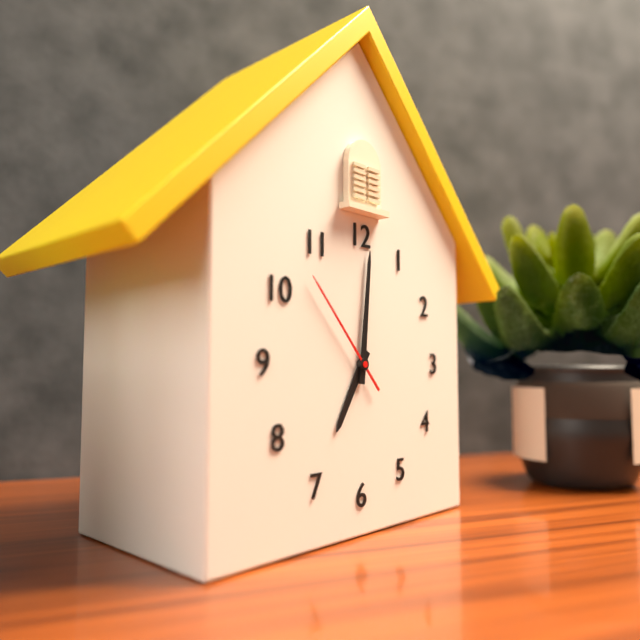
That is h=7 m=1 s=53
